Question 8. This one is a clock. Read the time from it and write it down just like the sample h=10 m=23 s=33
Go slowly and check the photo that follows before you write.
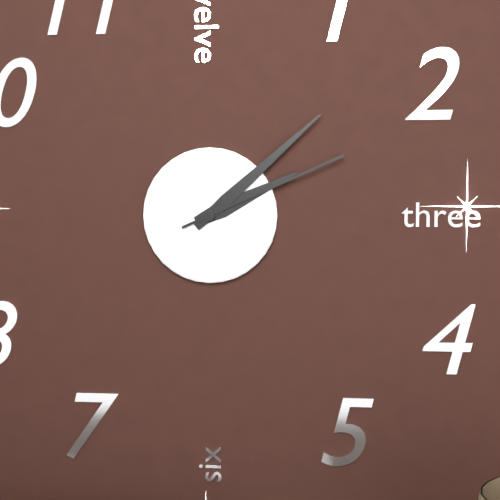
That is h=2 m=8 s=11
